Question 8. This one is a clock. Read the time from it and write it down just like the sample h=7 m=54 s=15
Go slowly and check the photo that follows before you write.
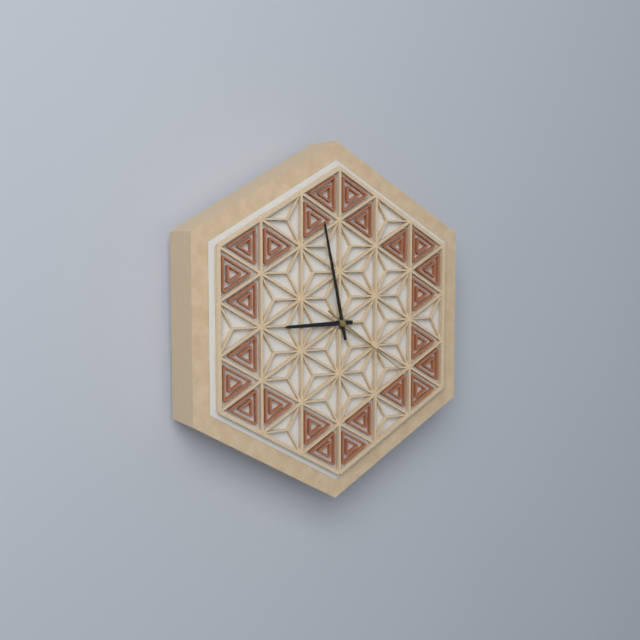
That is h=8 m=58 s=21
